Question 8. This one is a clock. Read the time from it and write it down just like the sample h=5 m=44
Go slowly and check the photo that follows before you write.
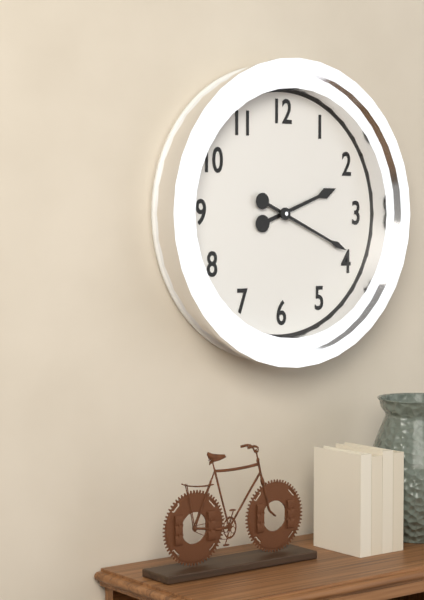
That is h=2 m=19
